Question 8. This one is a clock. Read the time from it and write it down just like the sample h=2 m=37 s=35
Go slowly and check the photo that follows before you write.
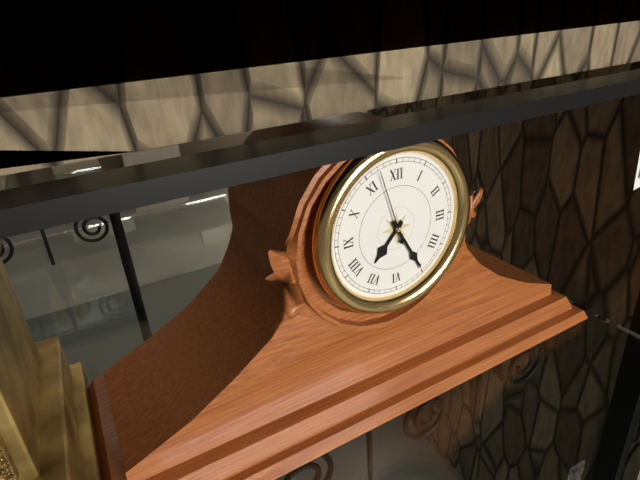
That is h=7 m=25 s=57
